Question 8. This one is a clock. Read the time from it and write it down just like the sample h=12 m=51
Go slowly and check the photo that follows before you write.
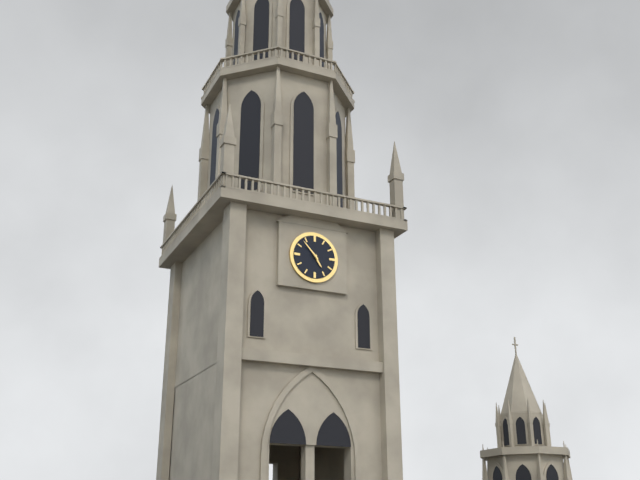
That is h=4 m=53
